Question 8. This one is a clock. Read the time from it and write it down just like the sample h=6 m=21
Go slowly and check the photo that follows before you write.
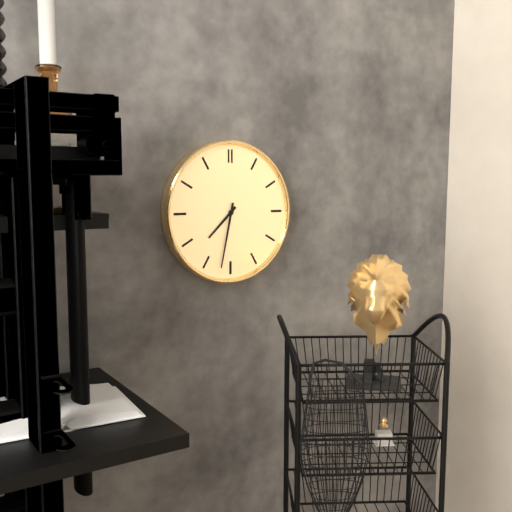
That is h=7 m=32
